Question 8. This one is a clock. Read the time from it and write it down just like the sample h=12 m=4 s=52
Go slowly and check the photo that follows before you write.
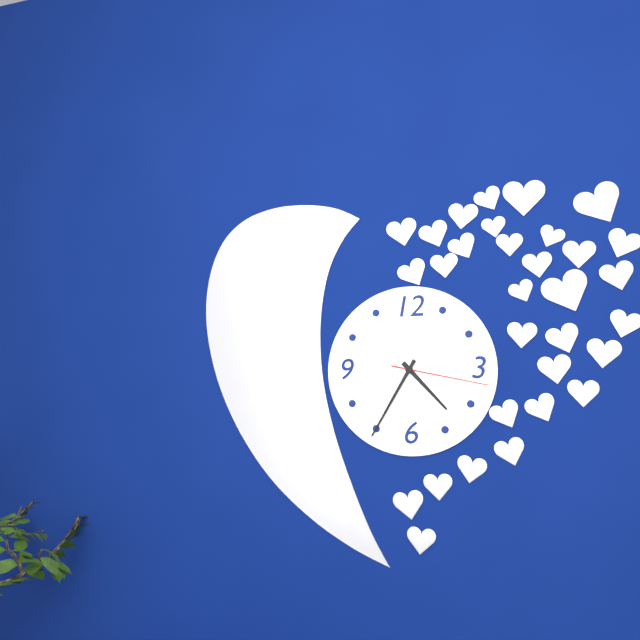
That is h=4 m=35 s=17
